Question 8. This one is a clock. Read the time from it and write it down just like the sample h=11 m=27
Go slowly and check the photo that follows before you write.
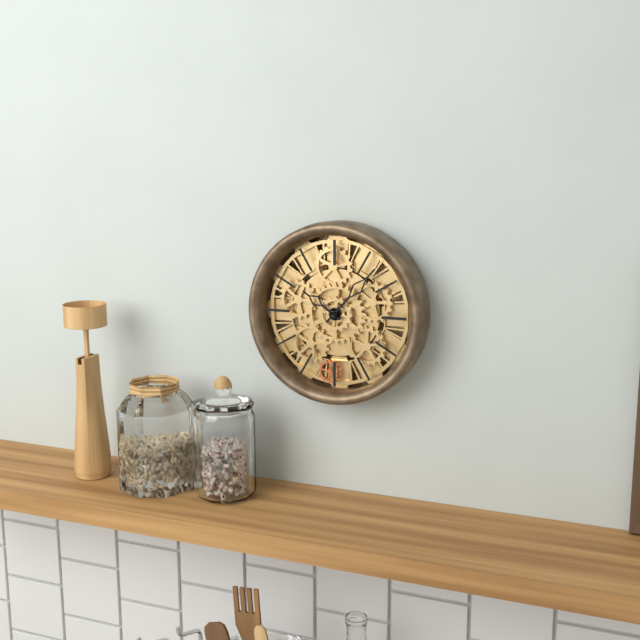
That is h=10 m=7
